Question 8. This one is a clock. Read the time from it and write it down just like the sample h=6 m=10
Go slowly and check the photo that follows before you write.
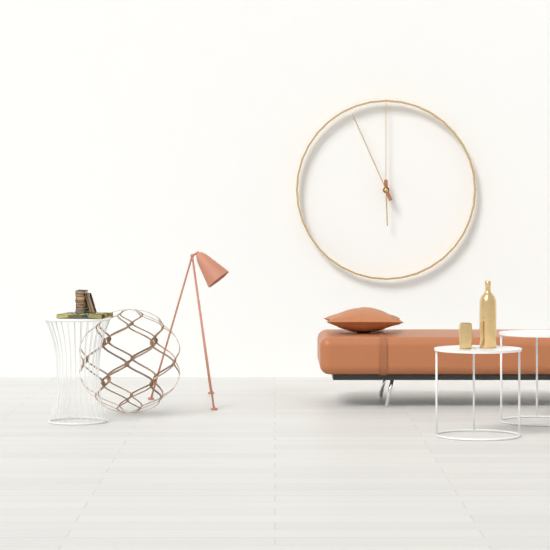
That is h=5 m=56
